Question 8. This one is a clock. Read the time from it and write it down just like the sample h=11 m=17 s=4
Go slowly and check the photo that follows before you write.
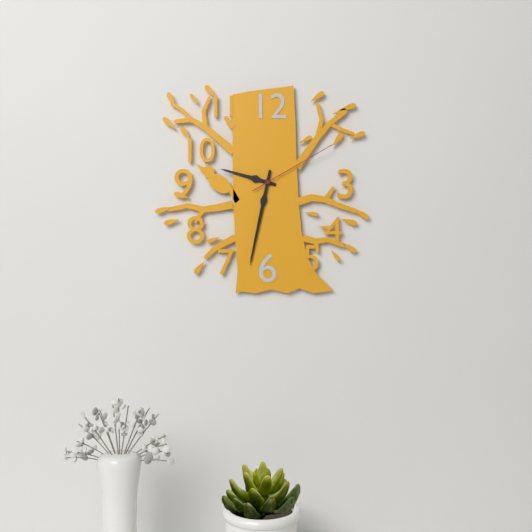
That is h=9 m=32 s=10
